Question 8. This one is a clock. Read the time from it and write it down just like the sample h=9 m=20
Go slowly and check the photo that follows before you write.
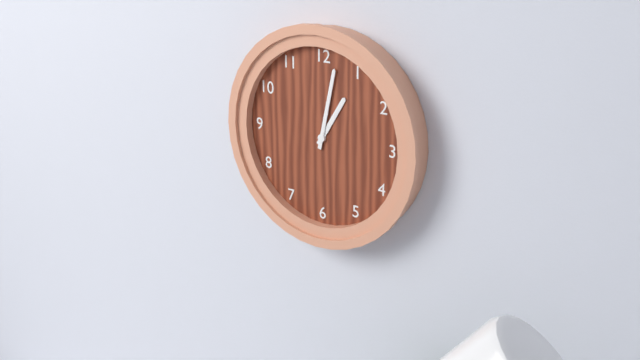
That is h=1 m=2
